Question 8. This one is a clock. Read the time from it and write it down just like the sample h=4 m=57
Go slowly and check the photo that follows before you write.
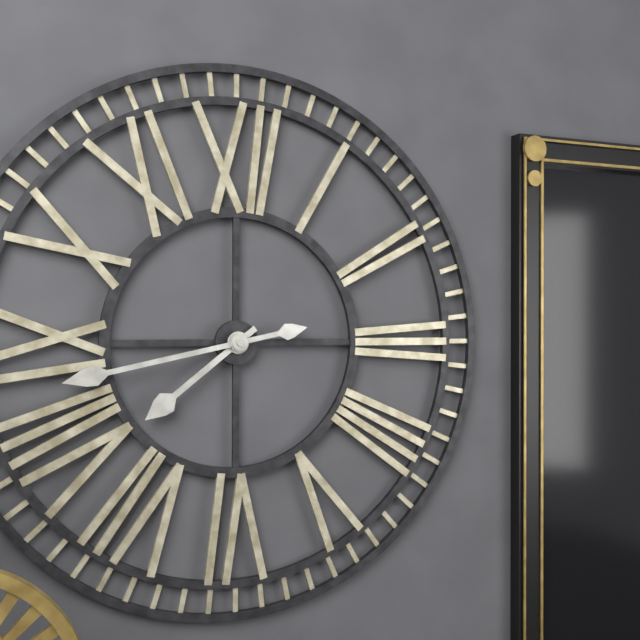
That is h=7 m=43
